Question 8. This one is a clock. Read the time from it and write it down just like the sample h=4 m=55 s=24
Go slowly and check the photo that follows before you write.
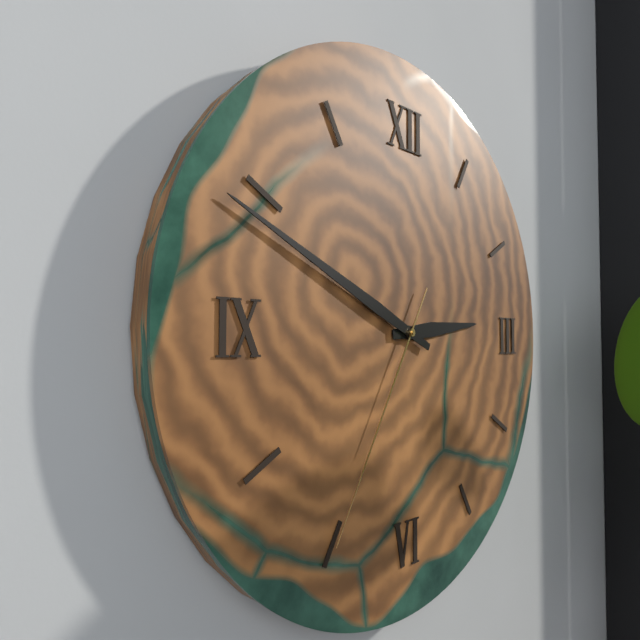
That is h=2 m=49 s=35
